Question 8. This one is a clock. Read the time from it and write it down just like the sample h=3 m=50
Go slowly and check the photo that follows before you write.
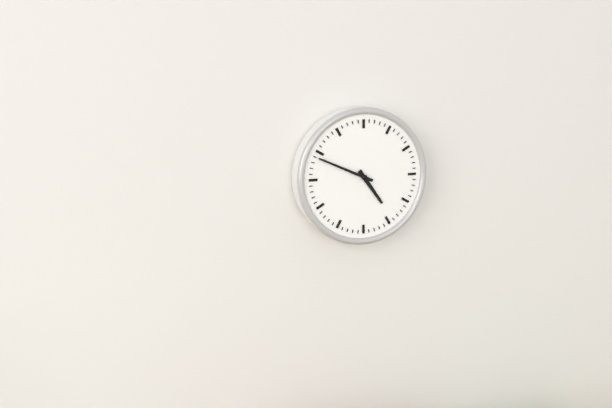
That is h=4 m=49
